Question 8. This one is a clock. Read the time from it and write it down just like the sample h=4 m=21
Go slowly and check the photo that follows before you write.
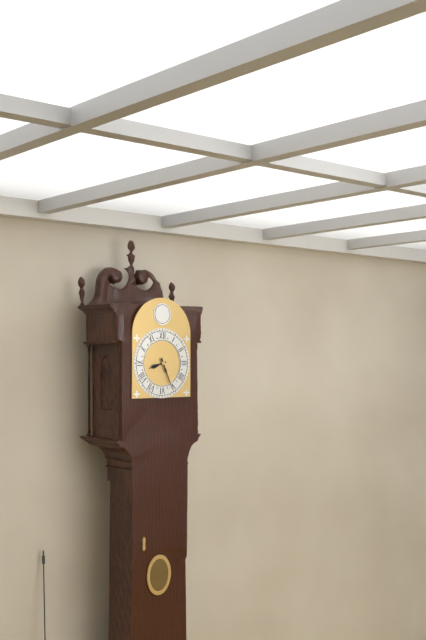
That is h=8 m=26
